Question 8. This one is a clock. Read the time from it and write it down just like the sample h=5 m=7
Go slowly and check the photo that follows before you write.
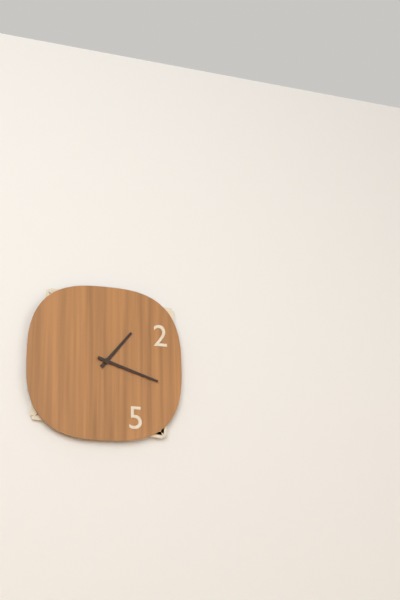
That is h=1 m=18
